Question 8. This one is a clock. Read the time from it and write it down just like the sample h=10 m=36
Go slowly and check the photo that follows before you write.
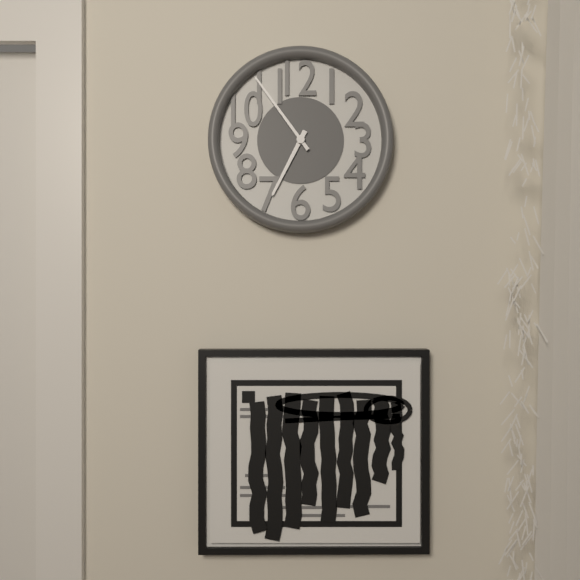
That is h=6 m=54
